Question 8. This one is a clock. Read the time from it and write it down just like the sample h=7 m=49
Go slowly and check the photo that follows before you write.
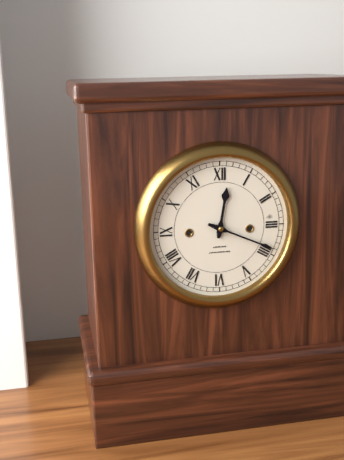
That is h=12 m=19
